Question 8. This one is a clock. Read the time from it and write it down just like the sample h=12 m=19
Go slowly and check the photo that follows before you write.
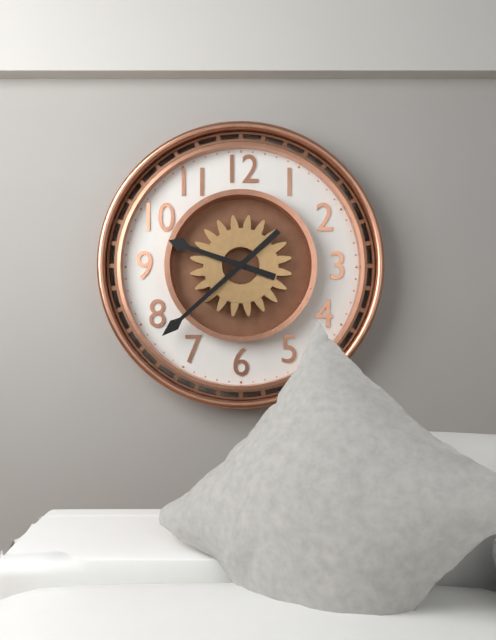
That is h=9 m=38
